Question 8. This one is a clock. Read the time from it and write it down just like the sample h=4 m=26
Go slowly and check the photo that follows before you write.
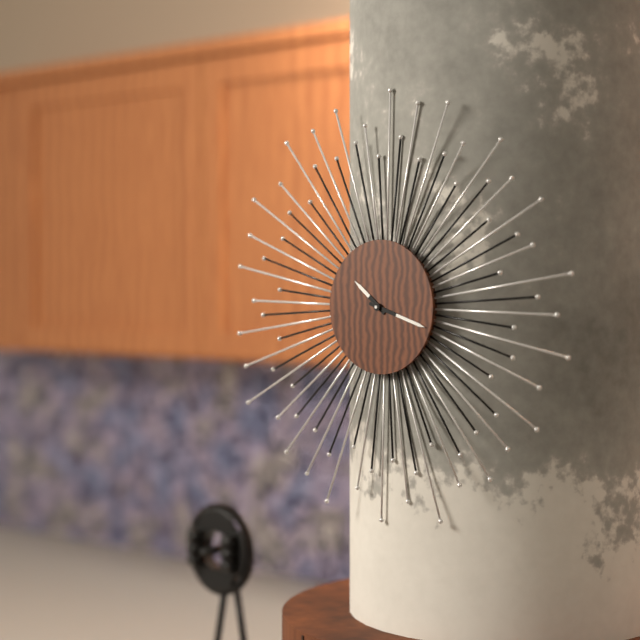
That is h=10 m=18
